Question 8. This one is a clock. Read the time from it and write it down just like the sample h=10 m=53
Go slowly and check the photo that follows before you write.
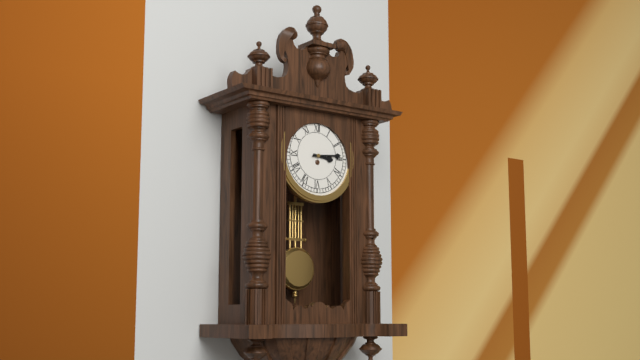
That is h=3 m=14
